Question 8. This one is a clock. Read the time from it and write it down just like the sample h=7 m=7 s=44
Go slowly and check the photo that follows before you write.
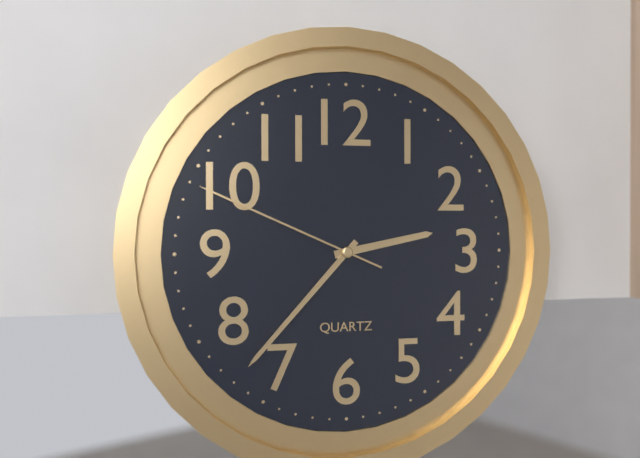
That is h=2 m=37 s=49
